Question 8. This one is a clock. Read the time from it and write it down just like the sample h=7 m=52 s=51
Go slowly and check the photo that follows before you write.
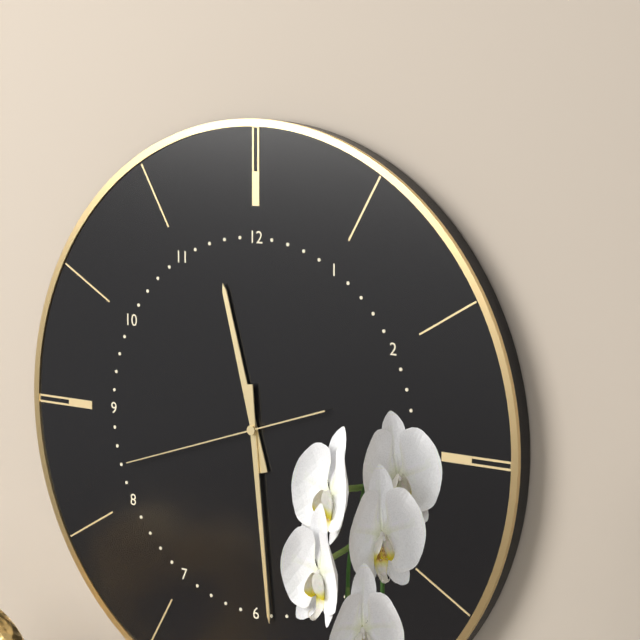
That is h=11 m=29 s=42
